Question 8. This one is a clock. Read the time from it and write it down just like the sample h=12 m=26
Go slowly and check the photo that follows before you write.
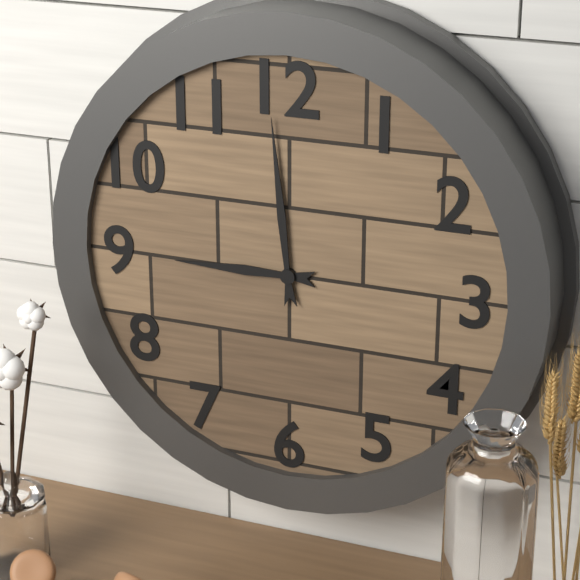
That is h=8 m=59
